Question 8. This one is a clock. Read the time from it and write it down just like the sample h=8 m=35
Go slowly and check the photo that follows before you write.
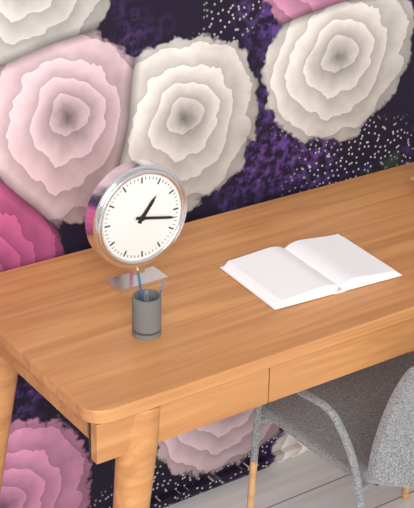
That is h=1 m=17
